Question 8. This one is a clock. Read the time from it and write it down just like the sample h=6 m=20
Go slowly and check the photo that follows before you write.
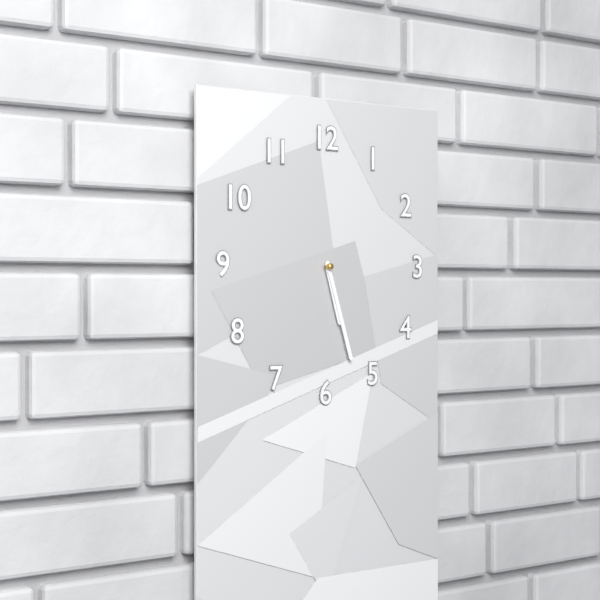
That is h=5 m=27
